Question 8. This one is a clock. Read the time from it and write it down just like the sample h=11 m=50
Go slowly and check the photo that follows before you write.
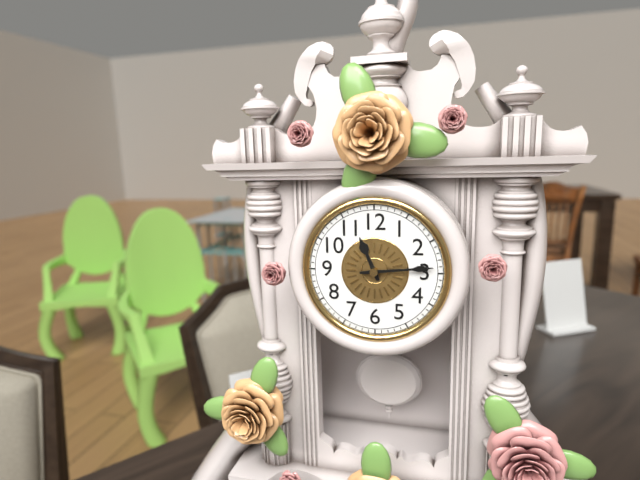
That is h=11 m=14
